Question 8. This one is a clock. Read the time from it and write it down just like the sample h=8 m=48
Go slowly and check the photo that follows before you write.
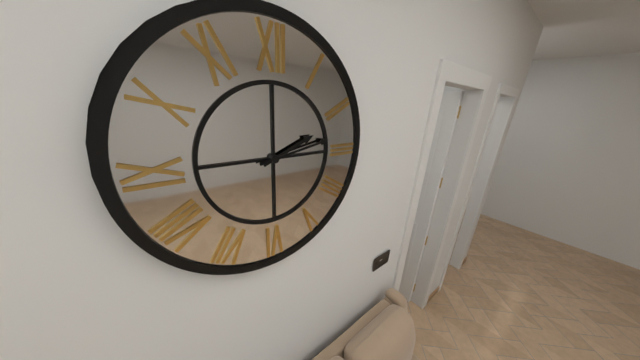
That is h=2 m=13
